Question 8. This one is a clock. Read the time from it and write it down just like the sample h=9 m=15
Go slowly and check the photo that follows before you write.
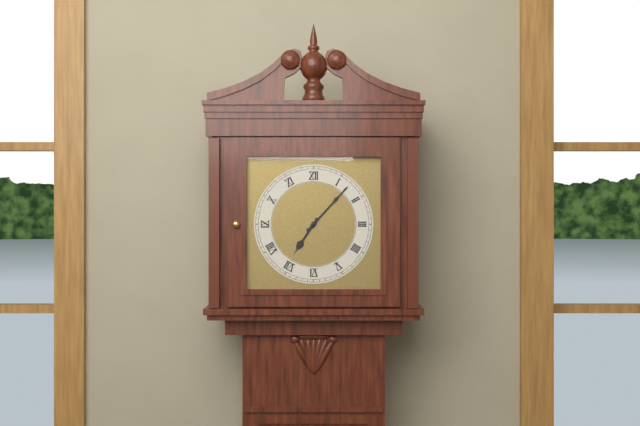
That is h=7 m=7
